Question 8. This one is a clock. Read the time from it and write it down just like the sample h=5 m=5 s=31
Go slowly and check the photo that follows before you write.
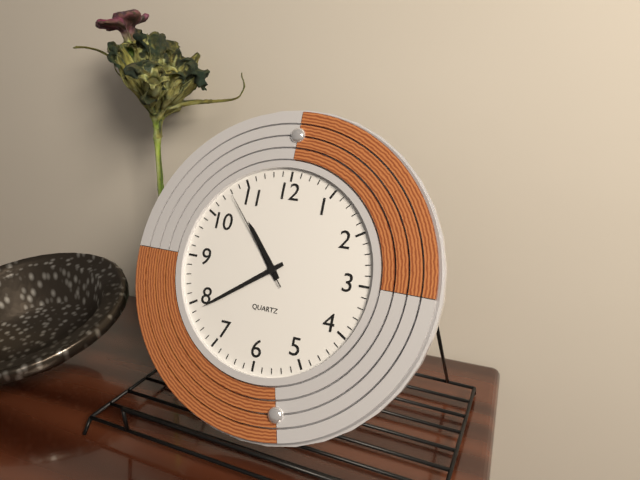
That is h=10 m=39 s=53
